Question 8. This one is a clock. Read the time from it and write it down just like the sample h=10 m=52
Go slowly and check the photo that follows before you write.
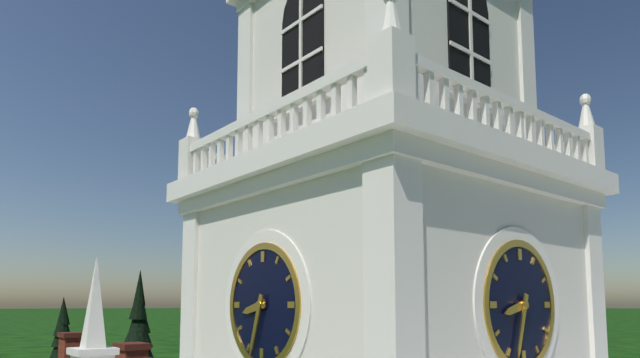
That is h=8 m=33
